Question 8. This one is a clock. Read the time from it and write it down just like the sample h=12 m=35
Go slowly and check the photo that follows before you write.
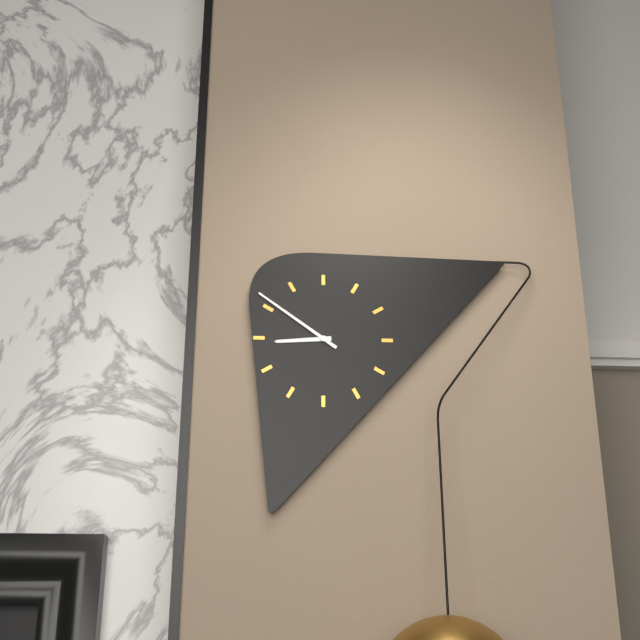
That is h=8 m=51
